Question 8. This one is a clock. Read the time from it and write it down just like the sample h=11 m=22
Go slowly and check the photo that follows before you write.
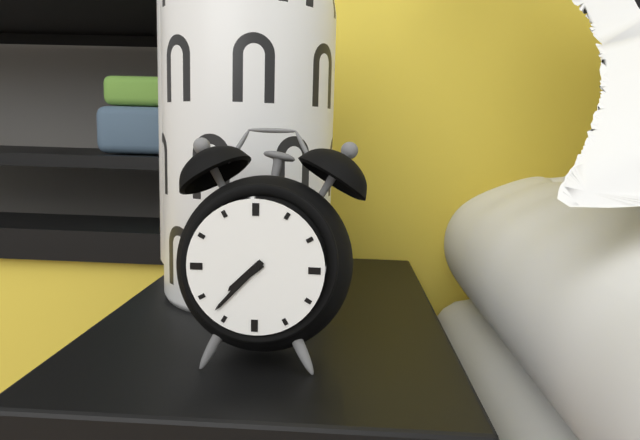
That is h=7 m=37
